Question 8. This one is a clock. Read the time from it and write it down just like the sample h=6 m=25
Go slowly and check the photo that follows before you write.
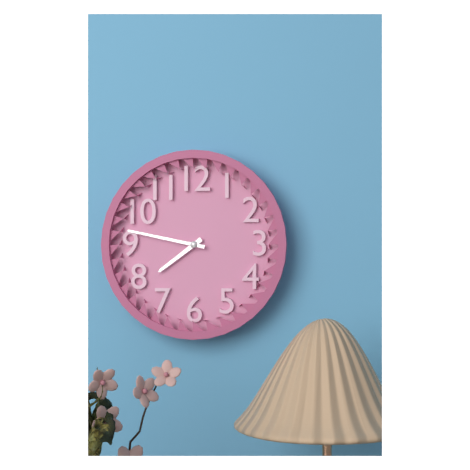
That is h=7 m=47
